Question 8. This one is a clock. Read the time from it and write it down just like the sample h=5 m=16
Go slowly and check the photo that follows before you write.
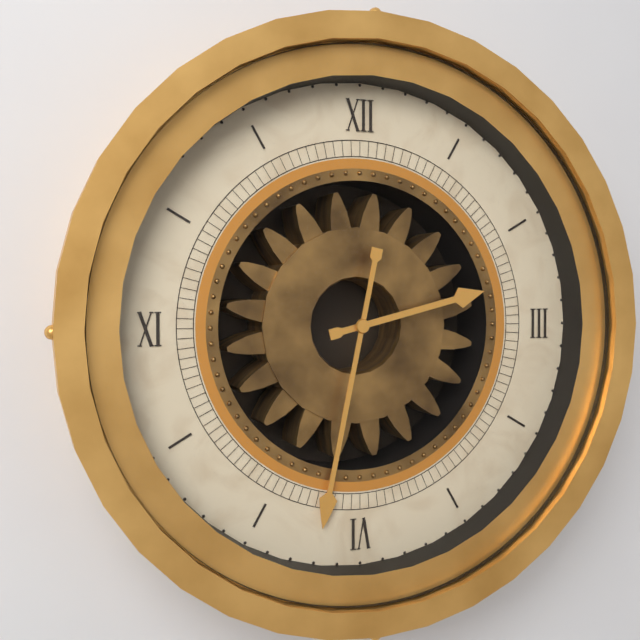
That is h=2 m=32
